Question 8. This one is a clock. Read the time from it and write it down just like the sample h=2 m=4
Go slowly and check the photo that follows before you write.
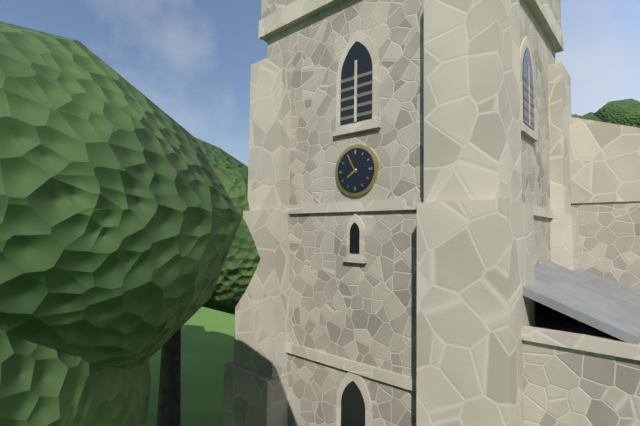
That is h=7 m=55
